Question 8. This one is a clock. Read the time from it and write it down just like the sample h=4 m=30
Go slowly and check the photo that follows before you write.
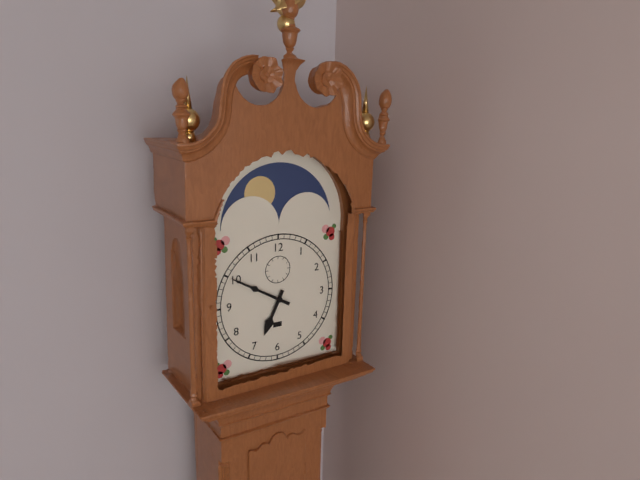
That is h=6 m=50
